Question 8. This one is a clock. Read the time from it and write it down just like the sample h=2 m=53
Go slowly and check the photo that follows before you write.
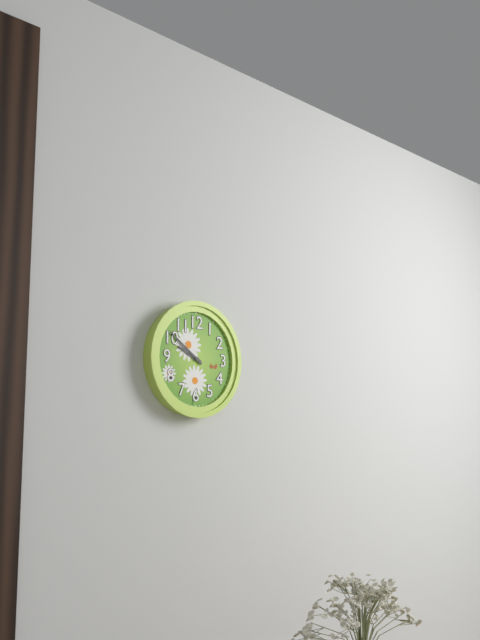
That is h=9 m=51
